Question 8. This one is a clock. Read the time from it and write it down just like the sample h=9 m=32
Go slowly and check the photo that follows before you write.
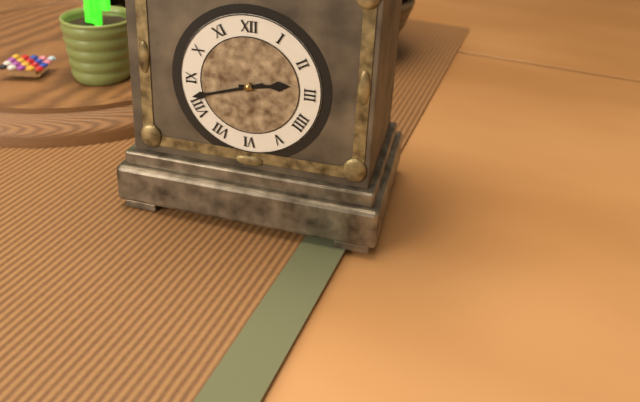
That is h=2 m=42
